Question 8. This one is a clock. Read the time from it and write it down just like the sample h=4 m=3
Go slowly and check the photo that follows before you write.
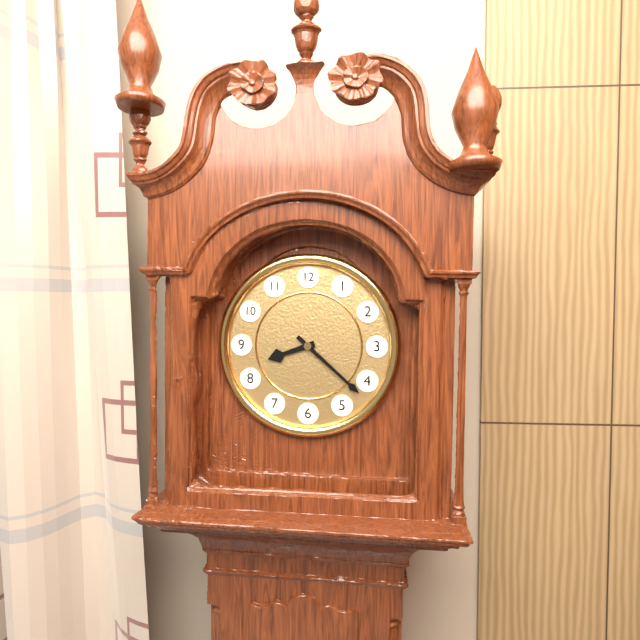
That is h=8 m=22
